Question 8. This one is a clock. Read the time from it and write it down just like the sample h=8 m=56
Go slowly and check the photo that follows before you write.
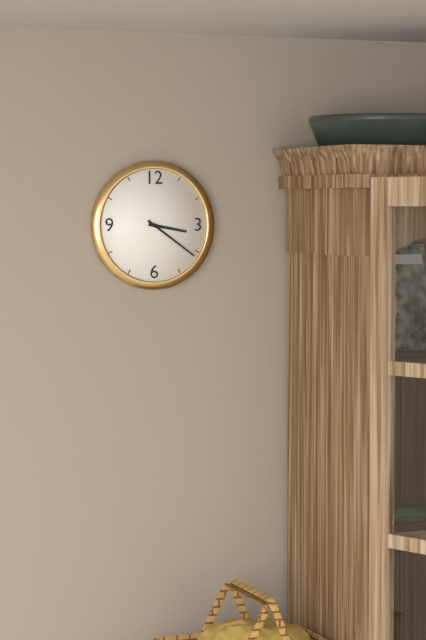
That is h=3 m=21
